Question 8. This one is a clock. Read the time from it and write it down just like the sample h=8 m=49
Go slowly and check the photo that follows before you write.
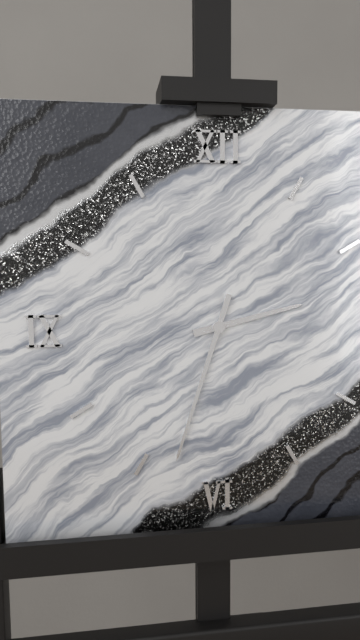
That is h=2 m=33
